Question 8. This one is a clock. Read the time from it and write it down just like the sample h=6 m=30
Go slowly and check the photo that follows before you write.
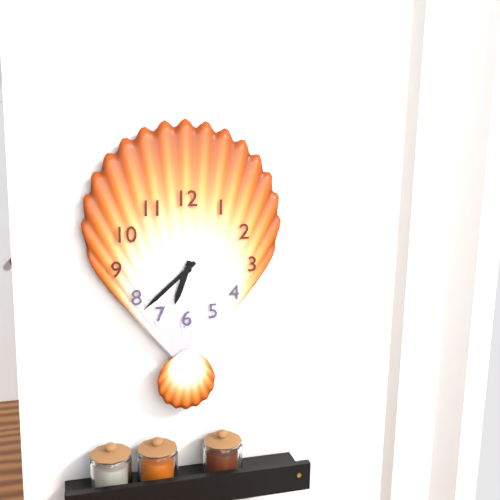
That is h=6 m=38
